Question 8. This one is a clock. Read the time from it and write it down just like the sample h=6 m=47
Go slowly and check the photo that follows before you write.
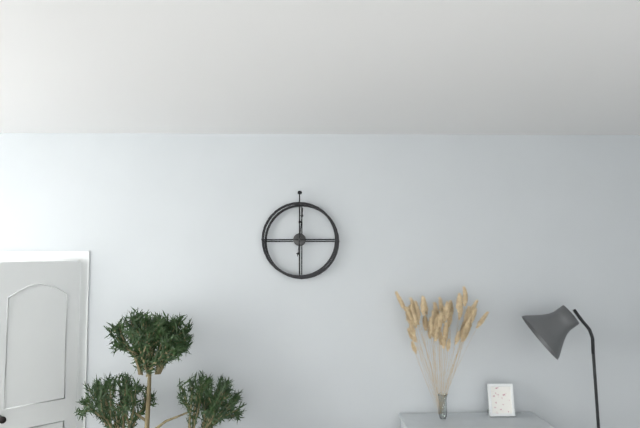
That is h=12 m=1
